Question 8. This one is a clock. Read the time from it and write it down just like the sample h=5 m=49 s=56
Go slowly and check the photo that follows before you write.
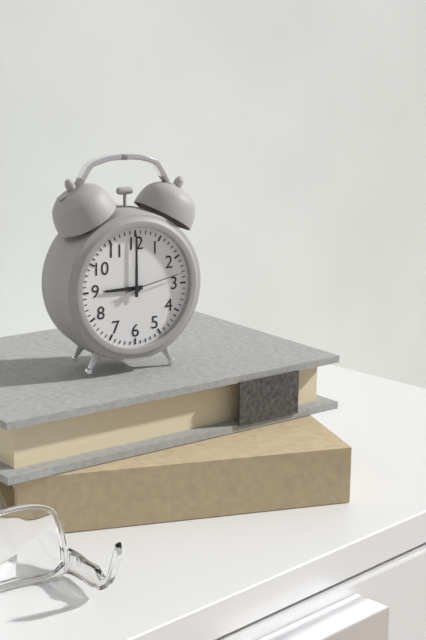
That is h=9 m=0 s=13
